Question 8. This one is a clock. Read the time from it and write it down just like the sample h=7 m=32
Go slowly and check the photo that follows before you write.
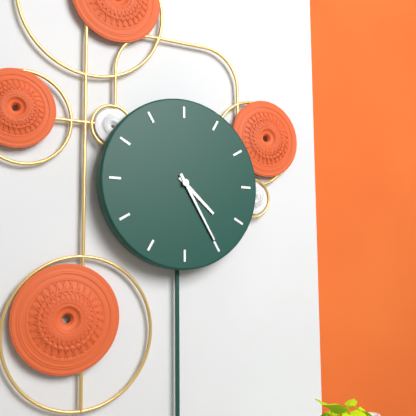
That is h=4 m=25
